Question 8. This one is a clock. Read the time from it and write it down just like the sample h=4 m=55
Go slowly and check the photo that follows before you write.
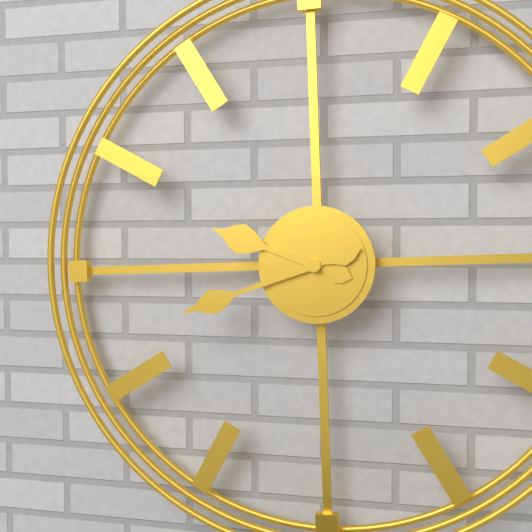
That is h=9 m=42
